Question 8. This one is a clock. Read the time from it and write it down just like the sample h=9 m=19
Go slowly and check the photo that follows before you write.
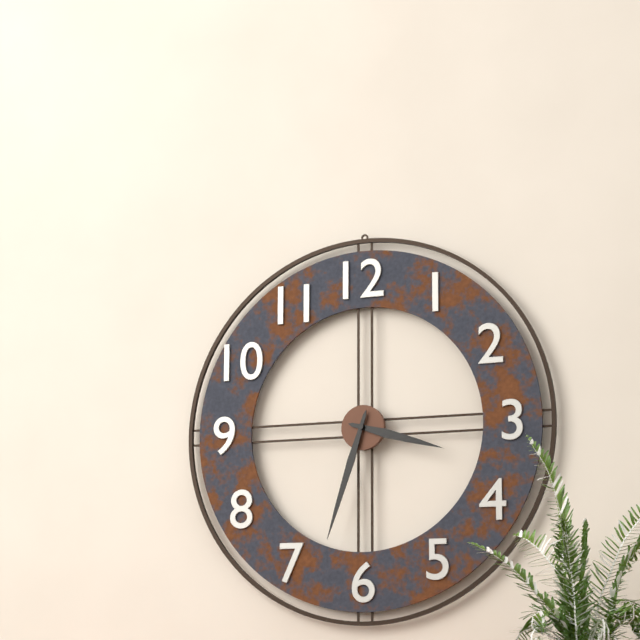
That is h=3 m=33
